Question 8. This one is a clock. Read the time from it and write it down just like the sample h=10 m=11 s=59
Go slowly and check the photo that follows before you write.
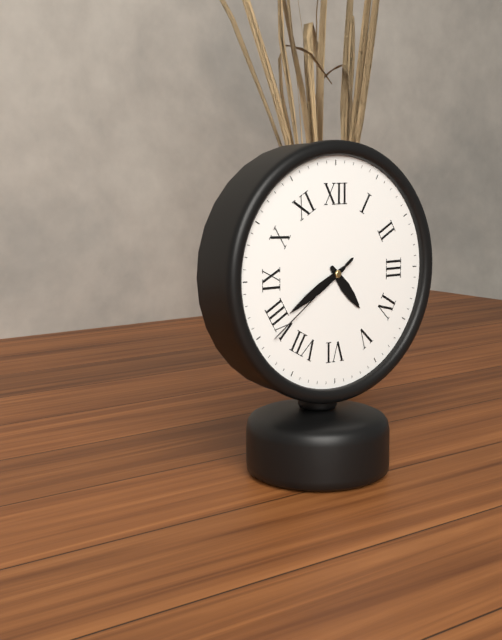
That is h=4 m=40 s=39
